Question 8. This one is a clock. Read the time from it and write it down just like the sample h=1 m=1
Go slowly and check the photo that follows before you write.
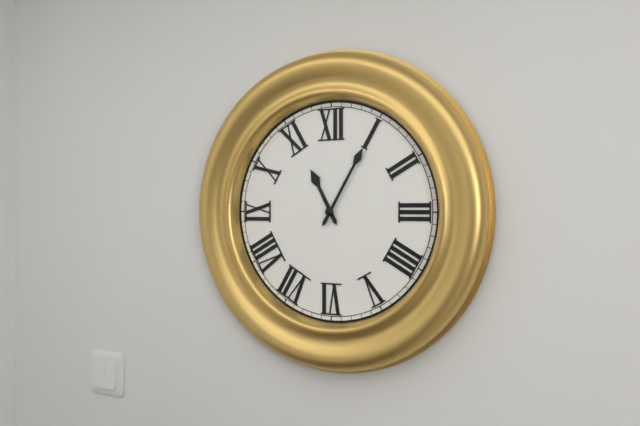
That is h=11 m=5
